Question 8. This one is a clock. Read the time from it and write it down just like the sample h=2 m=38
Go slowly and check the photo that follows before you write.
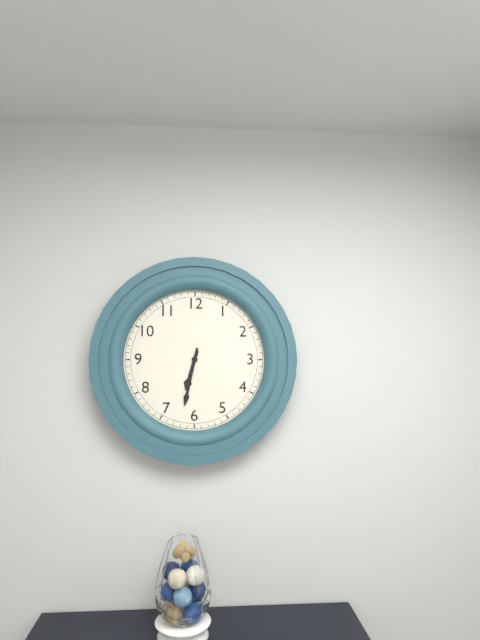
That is h=6 m=32
